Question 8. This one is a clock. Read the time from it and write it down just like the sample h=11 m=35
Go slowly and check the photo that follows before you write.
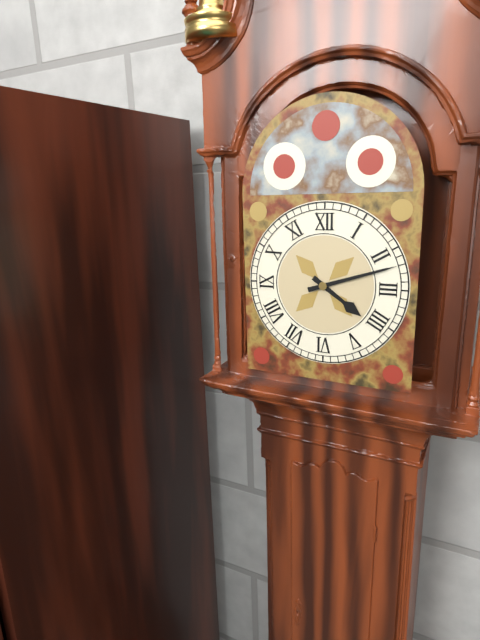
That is h=4 m=12
